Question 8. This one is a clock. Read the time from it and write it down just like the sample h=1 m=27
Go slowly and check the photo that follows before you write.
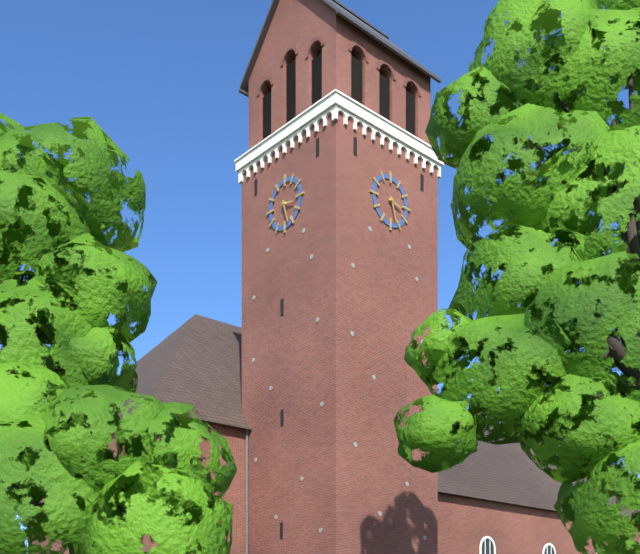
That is h=3 m=27
